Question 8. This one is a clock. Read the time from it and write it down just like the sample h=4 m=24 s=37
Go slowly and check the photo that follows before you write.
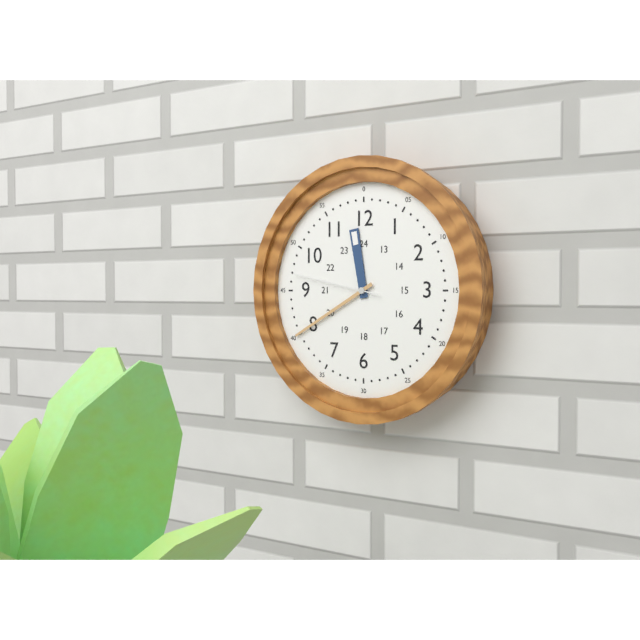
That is h=11 m=40 s=47
